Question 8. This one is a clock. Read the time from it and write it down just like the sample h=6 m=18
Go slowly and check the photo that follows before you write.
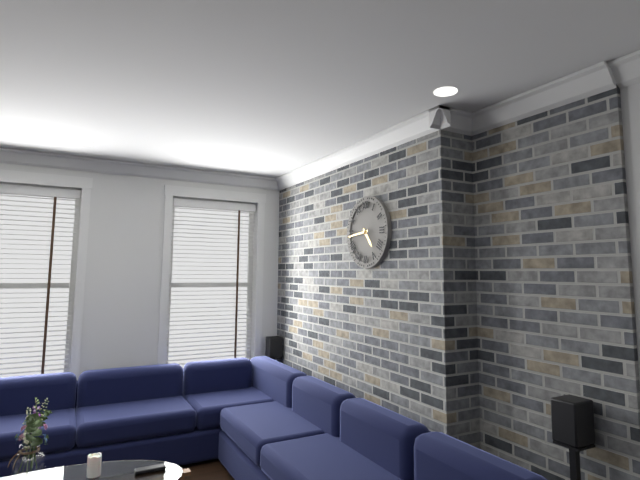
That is h=4 m=44
